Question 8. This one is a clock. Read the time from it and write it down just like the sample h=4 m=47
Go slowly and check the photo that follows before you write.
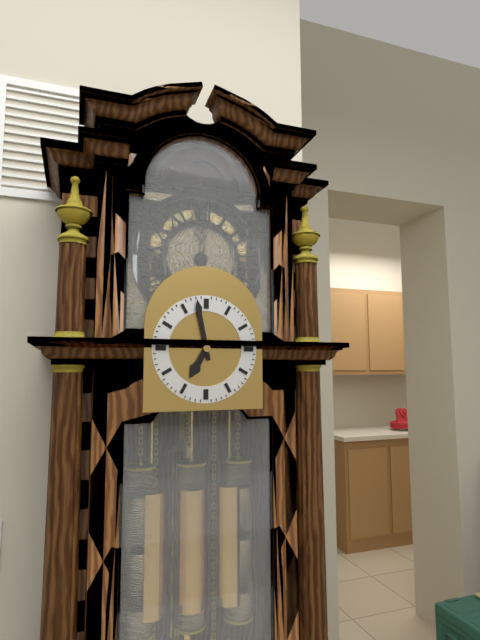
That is h=6 m=58
